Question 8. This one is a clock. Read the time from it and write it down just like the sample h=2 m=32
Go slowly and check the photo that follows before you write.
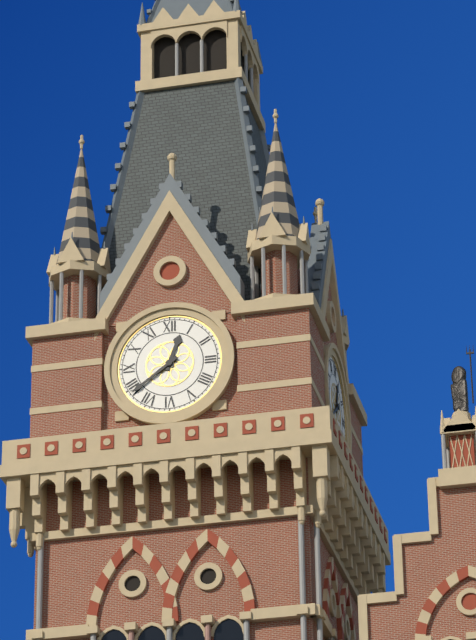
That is h=12 m=39
